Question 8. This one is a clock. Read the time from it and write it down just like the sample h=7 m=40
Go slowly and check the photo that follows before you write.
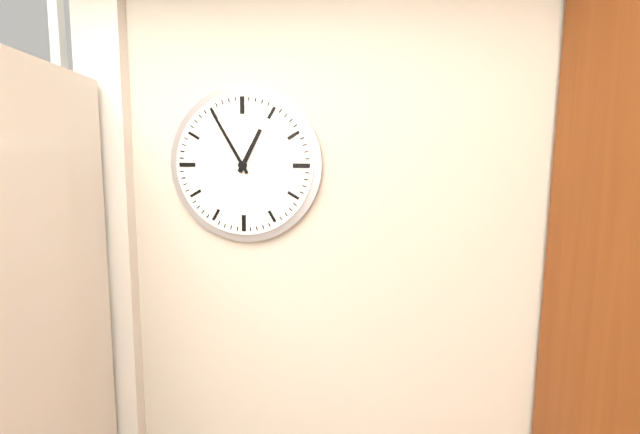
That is h=12 m=55
